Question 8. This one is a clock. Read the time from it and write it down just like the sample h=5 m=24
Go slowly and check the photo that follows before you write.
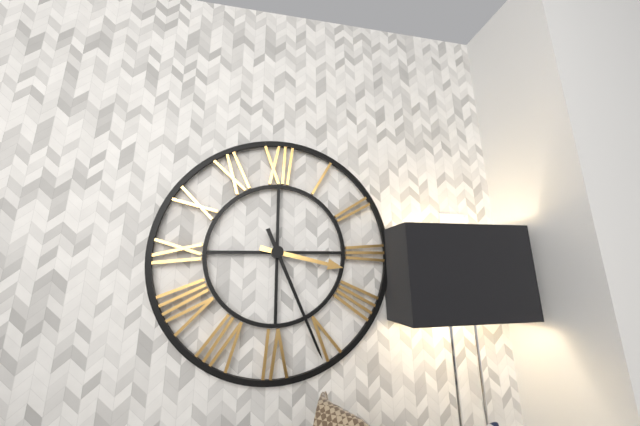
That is h=3 m=26
